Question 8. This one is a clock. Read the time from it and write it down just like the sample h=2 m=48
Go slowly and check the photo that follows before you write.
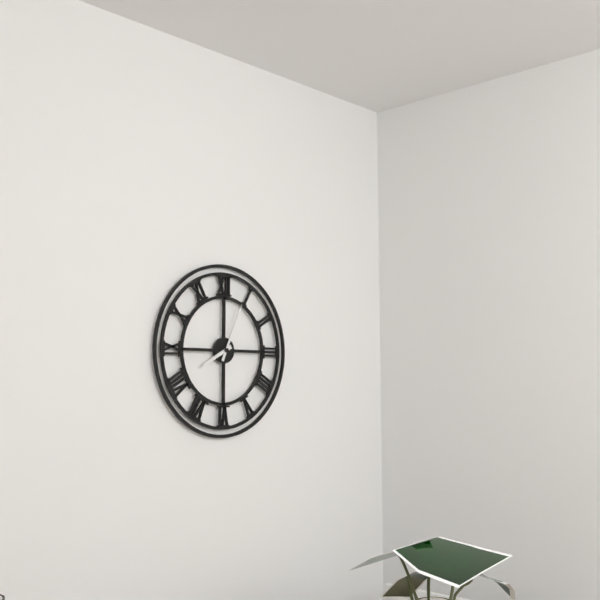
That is h=8 m=4
